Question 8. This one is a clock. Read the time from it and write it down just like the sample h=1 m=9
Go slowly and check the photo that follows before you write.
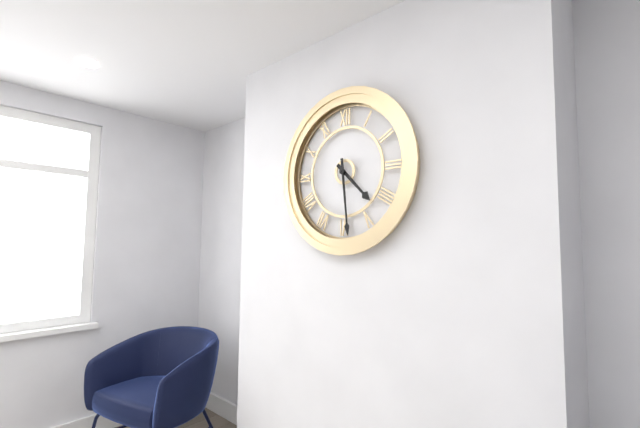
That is h=4 m=29
